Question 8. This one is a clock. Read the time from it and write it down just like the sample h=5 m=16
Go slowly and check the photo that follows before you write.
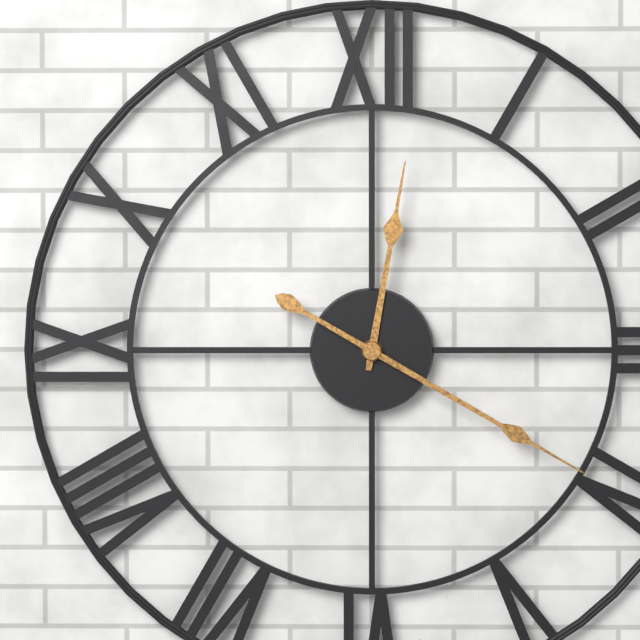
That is h=12 m=20
